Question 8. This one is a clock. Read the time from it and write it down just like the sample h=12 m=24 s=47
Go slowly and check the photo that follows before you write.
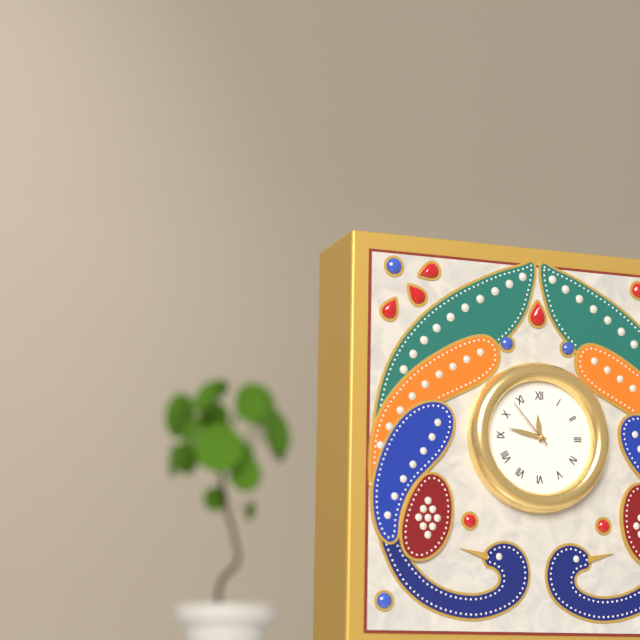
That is h=11 m=47 s=53
